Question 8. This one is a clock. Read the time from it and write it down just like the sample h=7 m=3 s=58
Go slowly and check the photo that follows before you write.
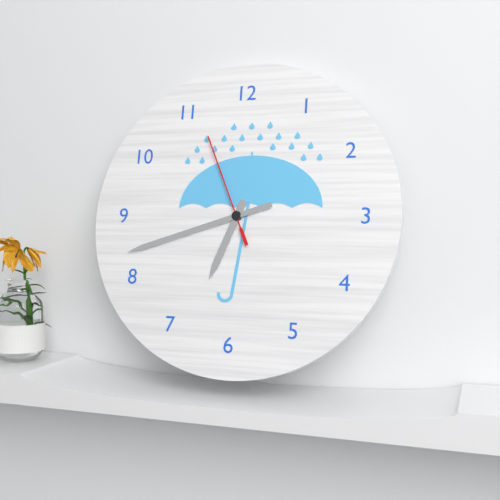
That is h=6 m=42 s=56
